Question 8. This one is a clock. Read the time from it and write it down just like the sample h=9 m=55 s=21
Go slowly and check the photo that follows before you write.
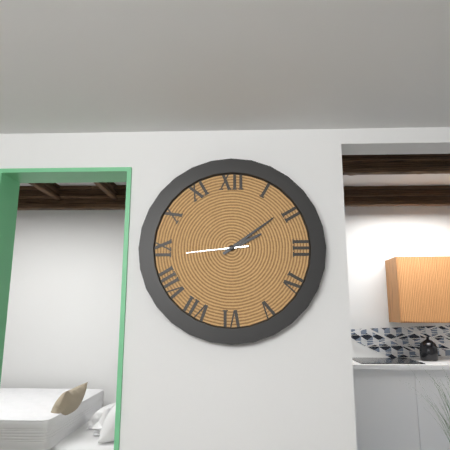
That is h=2 m=9 s=44
